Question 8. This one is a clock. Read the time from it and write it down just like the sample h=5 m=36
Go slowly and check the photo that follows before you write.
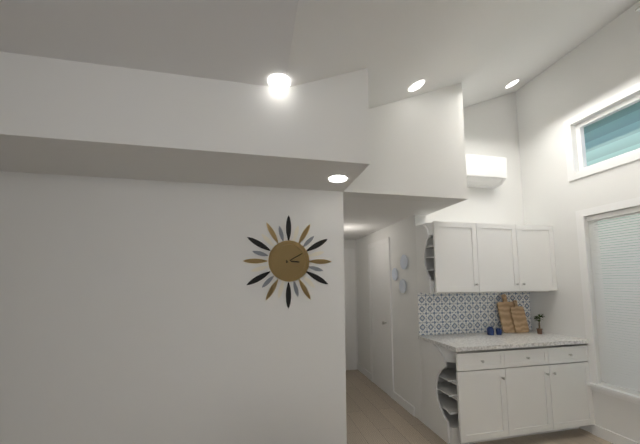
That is h=3 m=10
